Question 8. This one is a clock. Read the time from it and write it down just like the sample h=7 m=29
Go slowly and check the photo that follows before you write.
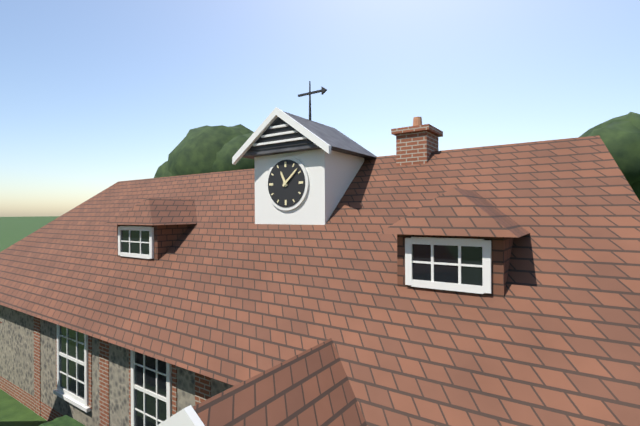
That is h=11 m=8
